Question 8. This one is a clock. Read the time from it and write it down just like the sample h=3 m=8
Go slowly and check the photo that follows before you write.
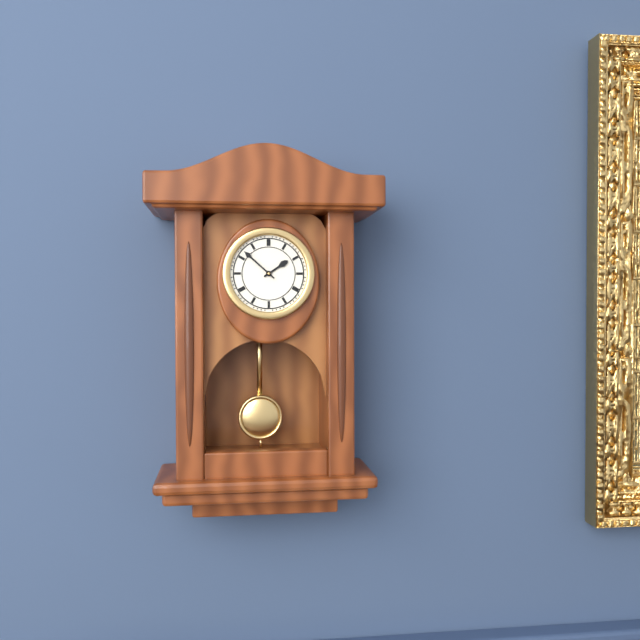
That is h=1 m=52
